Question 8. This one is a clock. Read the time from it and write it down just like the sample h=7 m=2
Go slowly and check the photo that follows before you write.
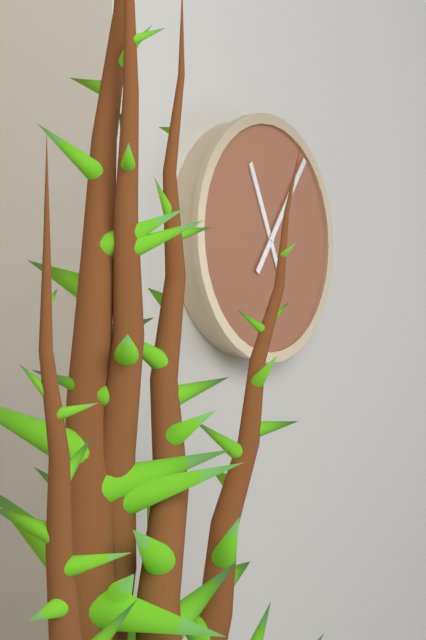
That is h=11 m=6
